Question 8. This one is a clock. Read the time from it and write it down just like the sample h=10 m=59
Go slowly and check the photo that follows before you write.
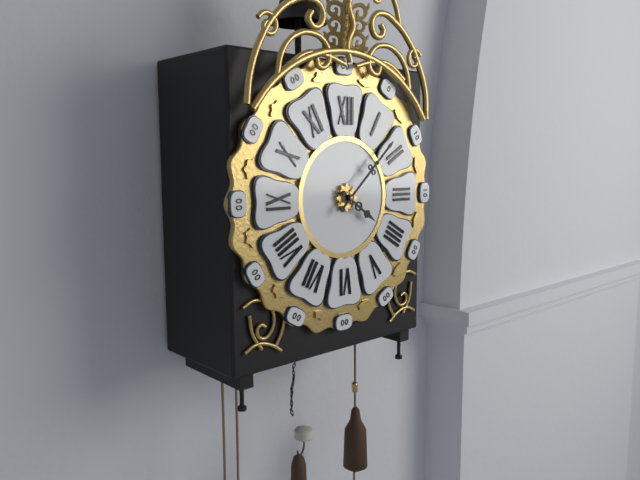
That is h=4 m=8
